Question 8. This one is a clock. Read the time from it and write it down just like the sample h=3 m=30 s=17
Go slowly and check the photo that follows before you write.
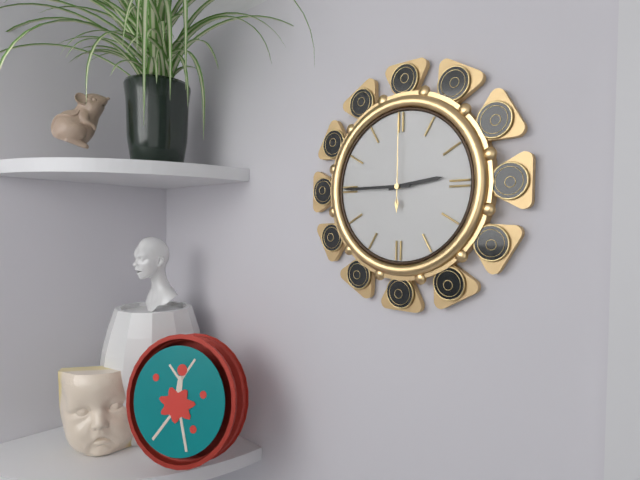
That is h=2 m=45 s=0
